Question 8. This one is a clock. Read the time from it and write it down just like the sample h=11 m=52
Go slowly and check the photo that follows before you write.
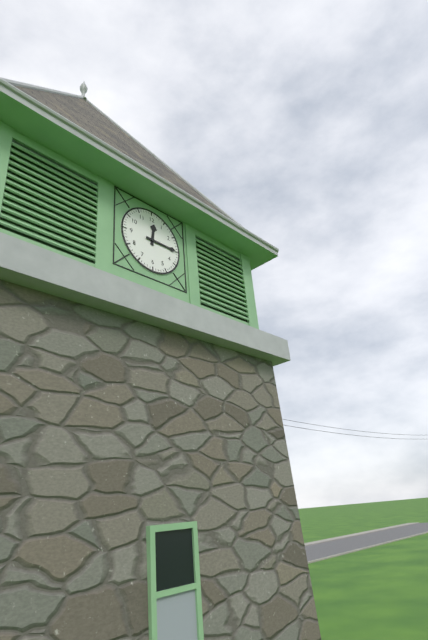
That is h=12 m=15
